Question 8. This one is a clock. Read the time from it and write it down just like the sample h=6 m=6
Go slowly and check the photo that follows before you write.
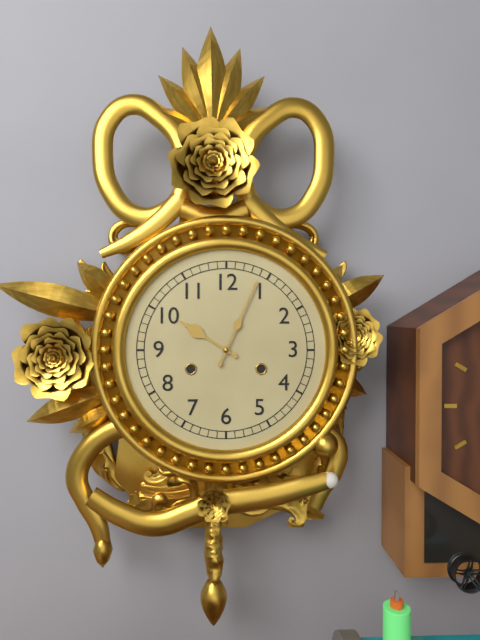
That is h=10 m=4
